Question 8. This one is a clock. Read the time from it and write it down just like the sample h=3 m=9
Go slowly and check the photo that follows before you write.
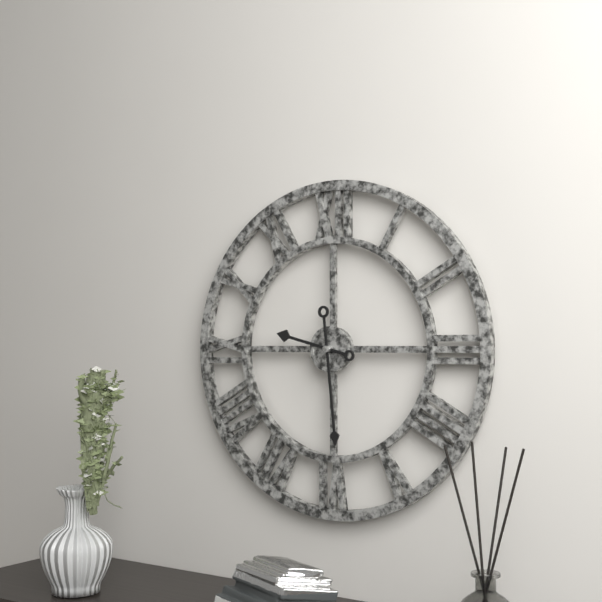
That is h=9 m=29
